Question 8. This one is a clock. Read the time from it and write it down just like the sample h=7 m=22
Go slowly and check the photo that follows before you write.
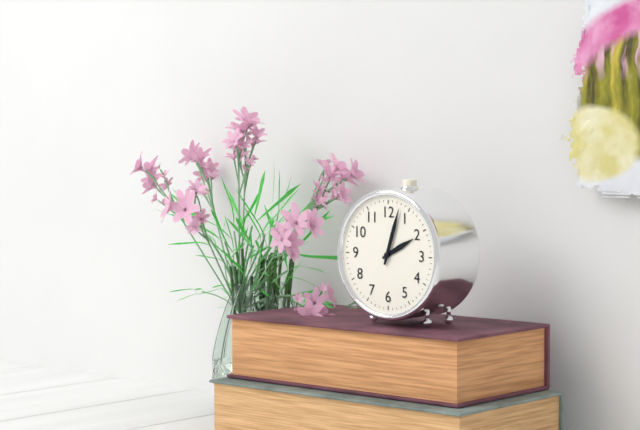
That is h=2 m=3
